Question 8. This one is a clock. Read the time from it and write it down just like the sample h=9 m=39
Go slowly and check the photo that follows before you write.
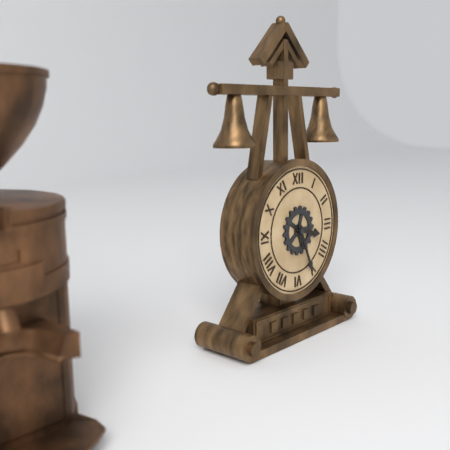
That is h=3 m=26
